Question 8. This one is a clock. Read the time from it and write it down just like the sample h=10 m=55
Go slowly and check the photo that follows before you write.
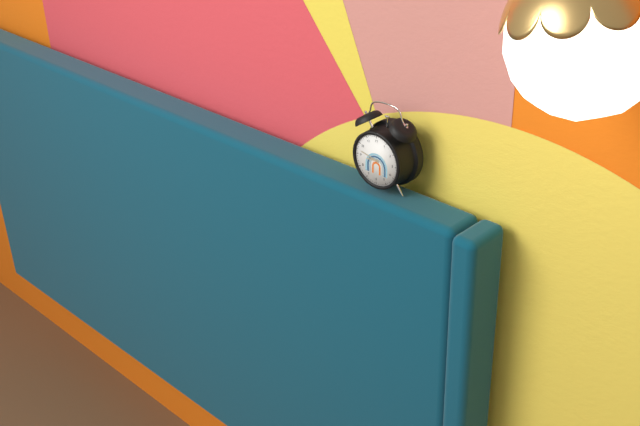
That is h=8 m=47
